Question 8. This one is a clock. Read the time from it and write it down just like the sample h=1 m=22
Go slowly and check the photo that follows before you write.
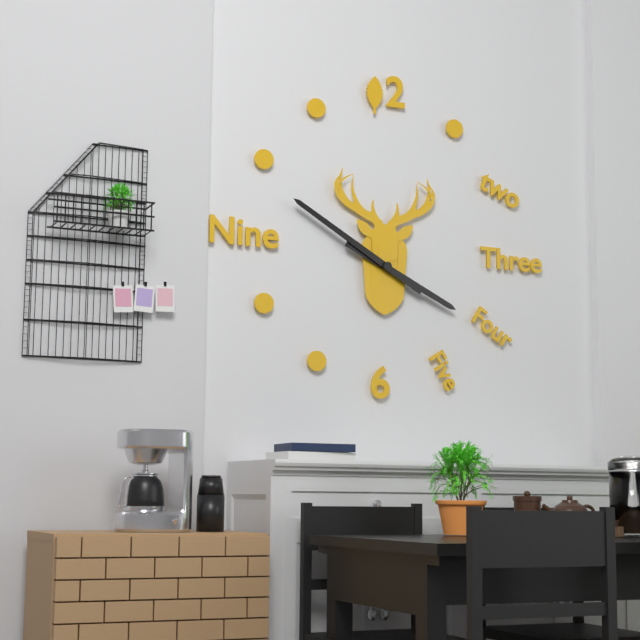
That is h=3 m=50
